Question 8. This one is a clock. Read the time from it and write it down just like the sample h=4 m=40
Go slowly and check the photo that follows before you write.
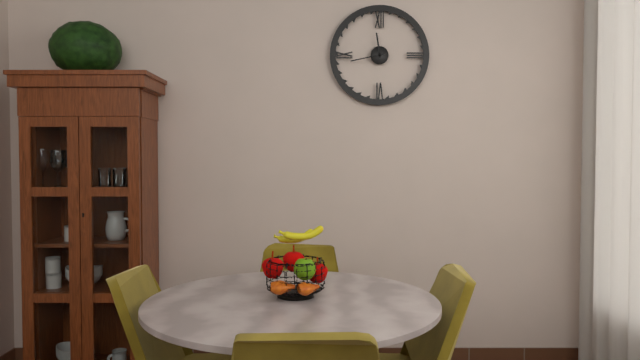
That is h=11 m=43
